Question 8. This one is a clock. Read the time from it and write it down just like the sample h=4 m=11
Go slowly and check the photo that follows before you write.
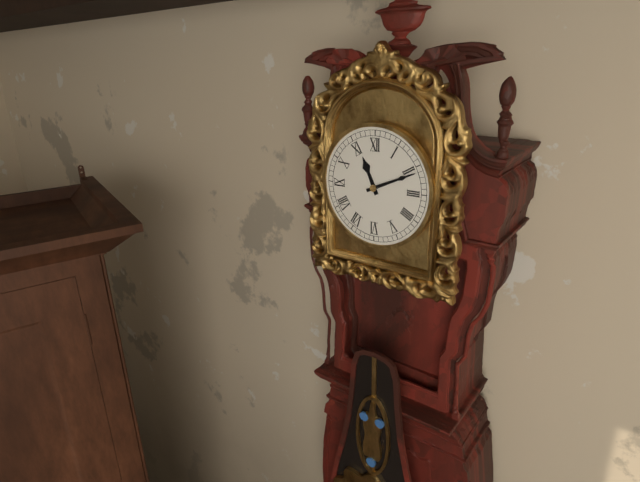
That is h=11 m=11
